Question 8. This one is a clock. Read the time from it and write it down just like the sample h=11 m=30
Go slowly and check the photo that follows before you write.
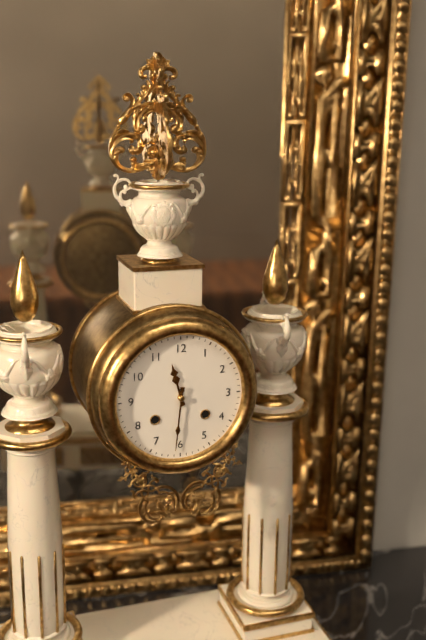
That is h=11 m=31
